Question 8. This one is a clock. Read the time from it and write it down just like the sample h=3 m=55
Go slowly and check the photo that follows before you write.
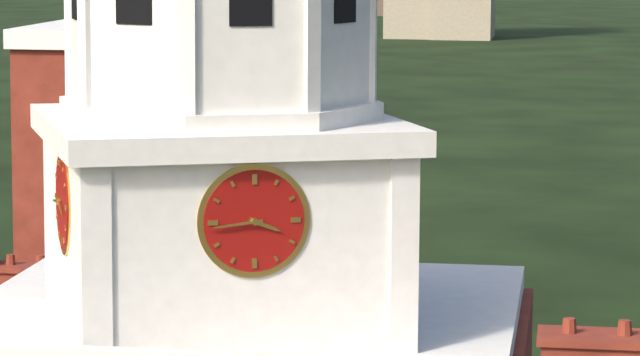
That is h=3 m=44
